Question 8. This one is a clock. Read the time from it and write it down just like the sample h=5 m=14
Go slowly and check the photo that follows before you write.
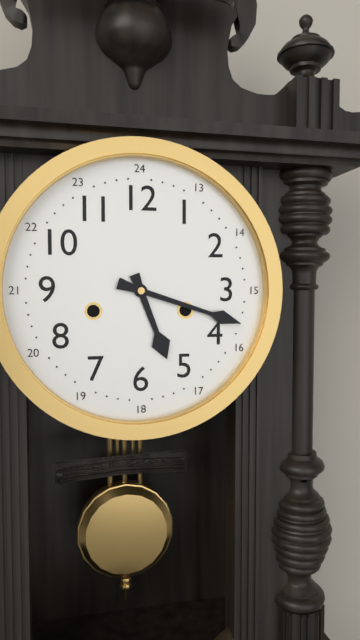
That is h=5 m=18
